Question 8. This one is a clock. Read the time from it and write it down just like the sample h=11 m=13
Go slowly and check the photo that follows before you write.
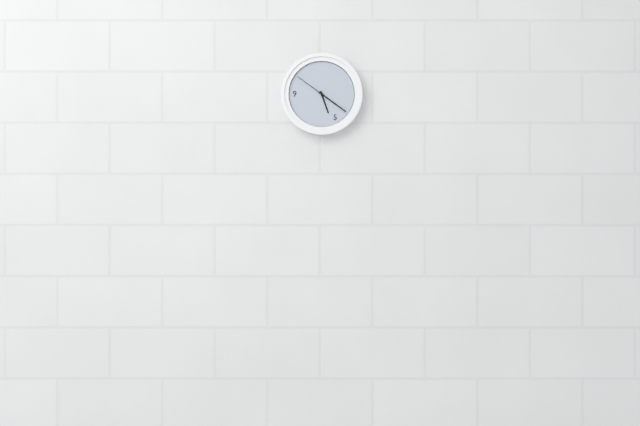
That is h=5 m=21
